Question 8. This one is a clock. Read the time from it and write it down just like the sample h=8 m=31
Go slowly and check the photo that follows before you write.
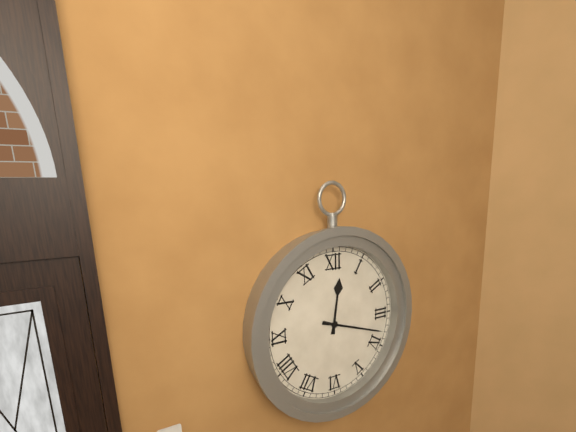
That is h=12 m=18
